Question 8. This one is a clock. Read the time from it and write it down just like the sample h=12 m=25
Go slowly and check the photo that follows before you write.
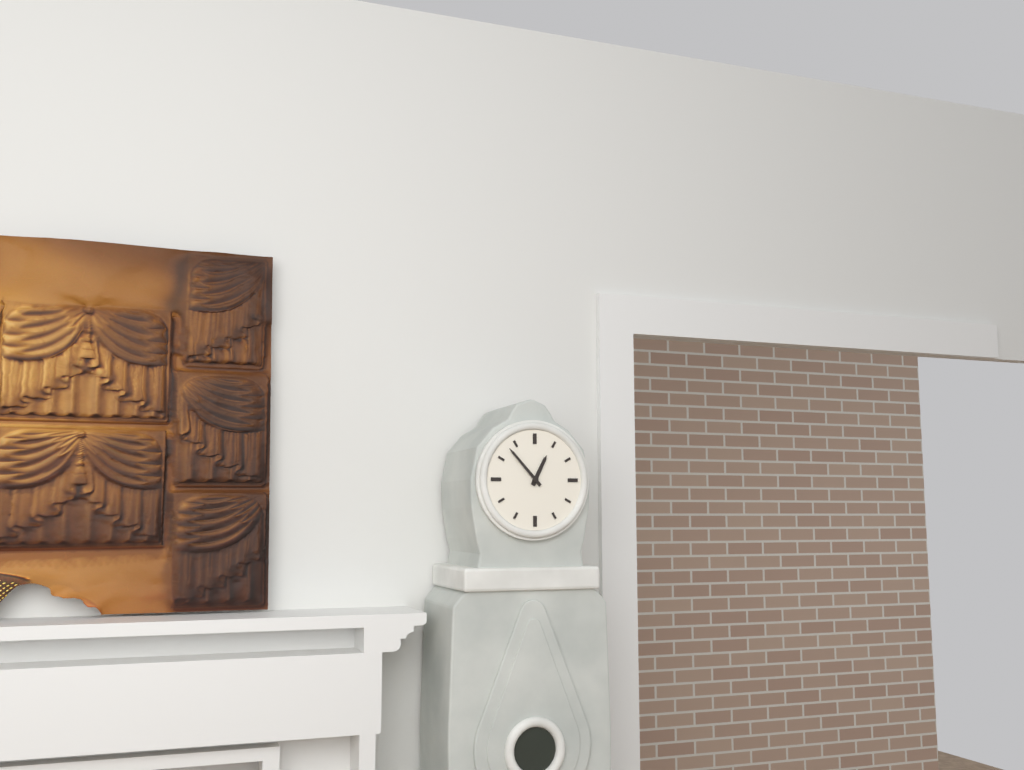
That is h=12 m=53
